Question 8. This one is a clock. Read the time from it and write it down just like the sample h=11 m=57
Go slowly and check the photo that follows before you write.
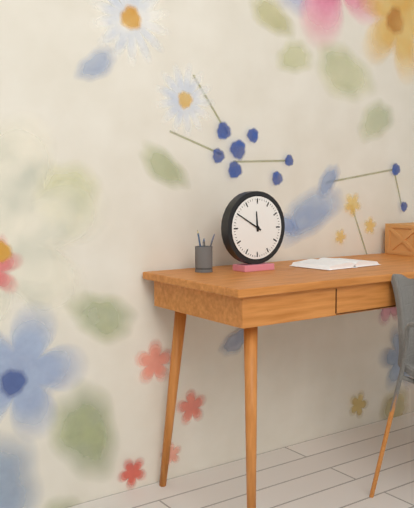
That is h=11 m=50
